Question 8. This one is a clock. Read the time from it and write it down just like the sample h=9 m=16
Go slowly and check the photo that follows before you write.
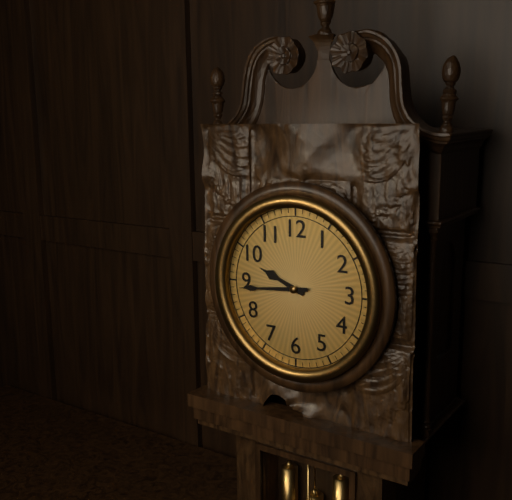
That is h=9 m=44
